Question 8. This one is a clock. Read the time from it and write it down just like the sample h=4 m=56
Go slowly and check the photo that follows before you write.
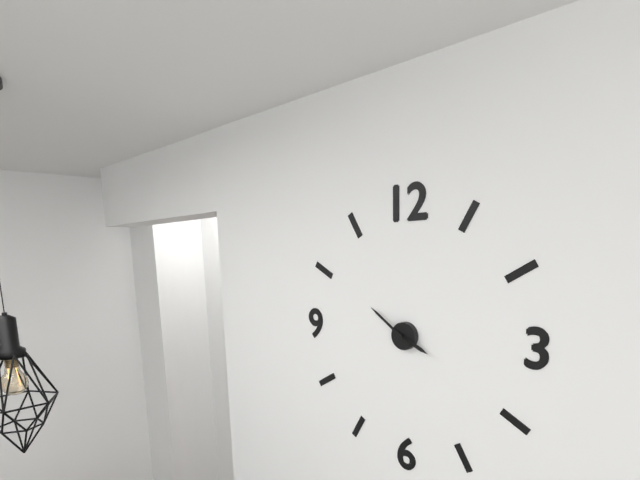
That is h=3 m=51
